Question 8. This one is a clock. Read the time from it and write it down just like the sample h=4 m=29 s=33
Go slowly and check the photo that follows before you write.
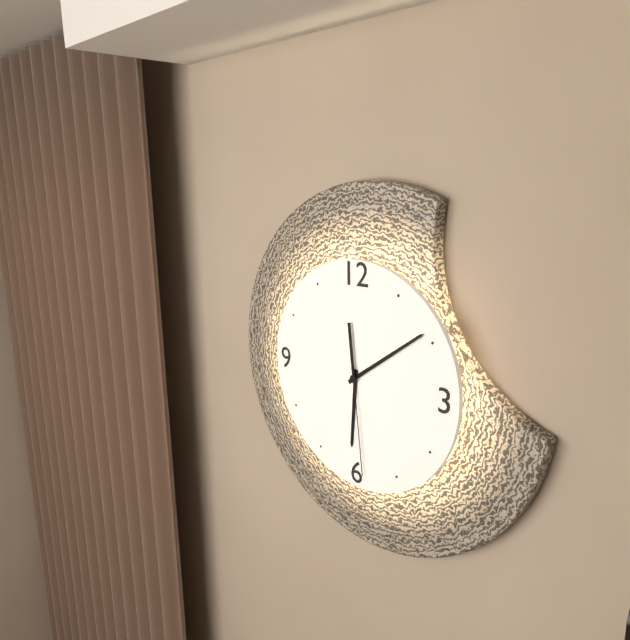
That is h=6 m=9 s=29
